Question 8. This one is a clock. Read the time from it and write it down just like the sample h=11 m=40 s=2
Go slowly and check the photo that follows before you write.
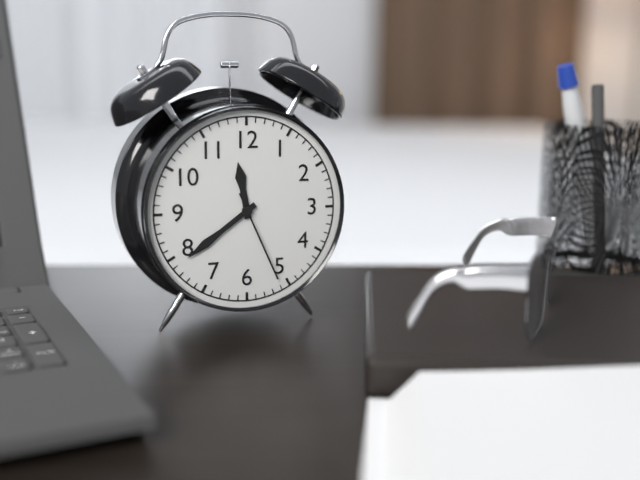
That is h=11 m=39 s=26
